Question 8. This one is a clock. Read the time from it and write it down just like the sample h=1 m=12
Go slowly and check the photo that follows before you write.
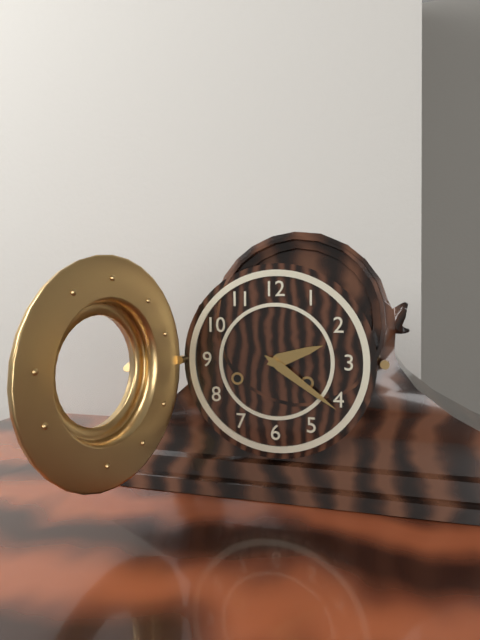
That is h=2 m=21
